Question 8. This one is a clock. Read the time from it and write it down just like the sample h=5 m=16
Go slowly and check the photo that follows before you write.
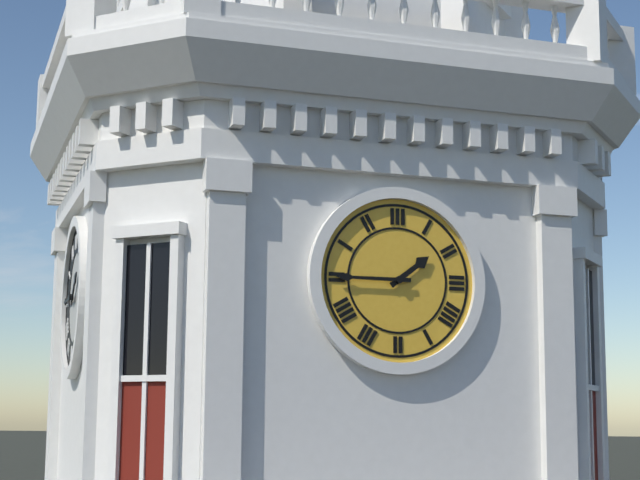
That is h=1 m=45
